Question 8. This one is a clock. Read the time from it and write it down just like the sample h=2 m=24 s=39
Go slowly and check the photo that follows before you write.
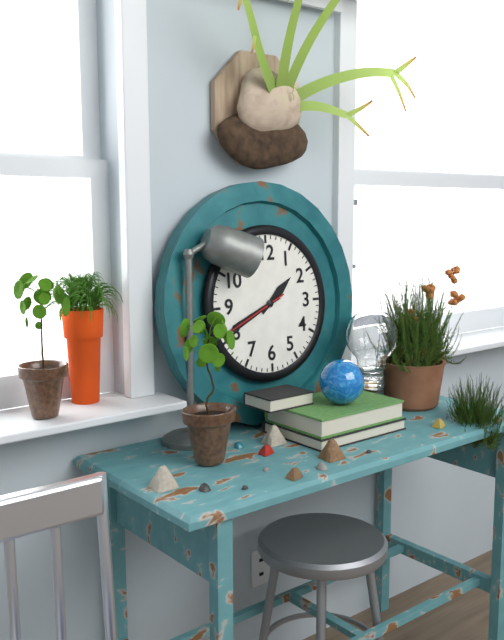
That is h=1 m=41 s=41
